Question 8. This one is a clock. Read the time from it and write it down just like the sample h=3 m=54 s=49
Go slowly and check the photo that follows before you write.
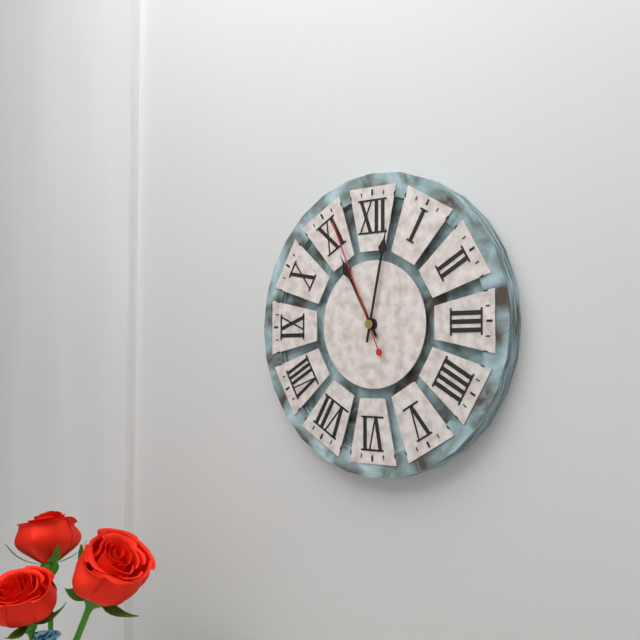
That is h=11 m=2 s=56
